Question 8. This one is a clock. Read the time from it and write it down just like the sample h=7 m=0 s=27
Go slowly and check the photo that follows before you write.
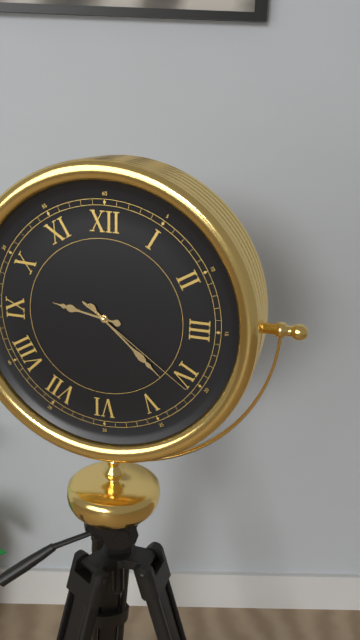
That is h=9 m=22 s=21
